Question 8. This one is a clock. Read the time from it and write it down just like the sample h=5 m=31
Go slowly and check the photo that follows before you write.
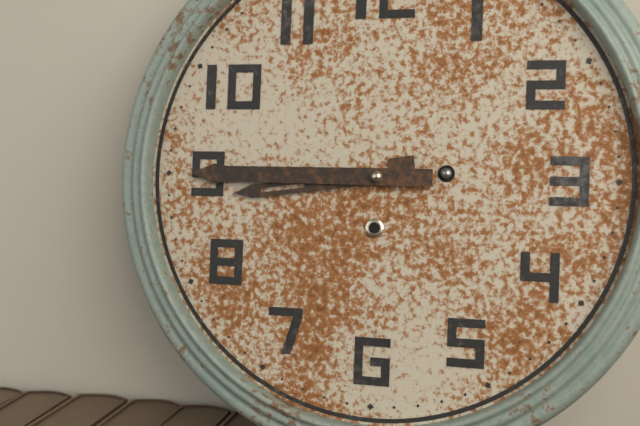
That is h=8 m=45
